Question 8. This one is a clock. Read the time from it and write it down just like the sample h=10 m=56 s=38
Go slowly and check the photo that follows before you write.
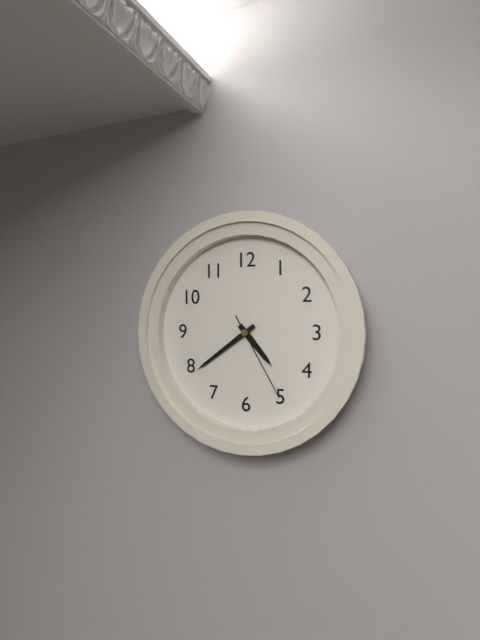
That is h=4 m=39 s=25
